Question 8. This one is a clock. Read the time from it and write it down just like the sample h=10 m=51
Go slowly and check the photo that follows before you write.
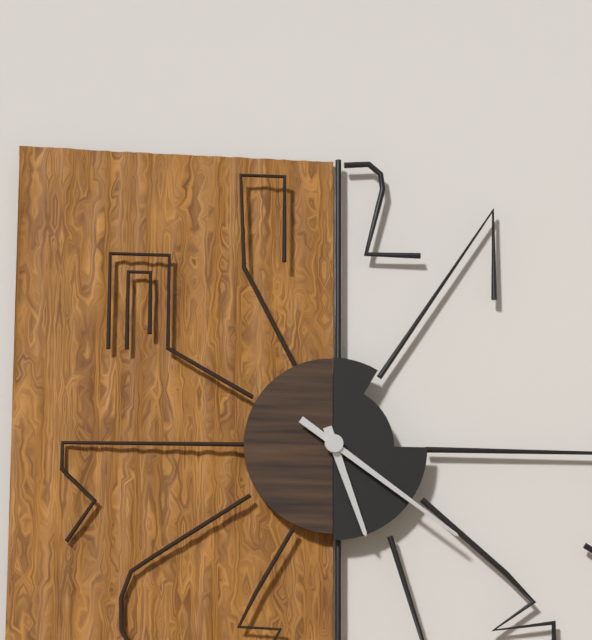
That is h=5 m=21
